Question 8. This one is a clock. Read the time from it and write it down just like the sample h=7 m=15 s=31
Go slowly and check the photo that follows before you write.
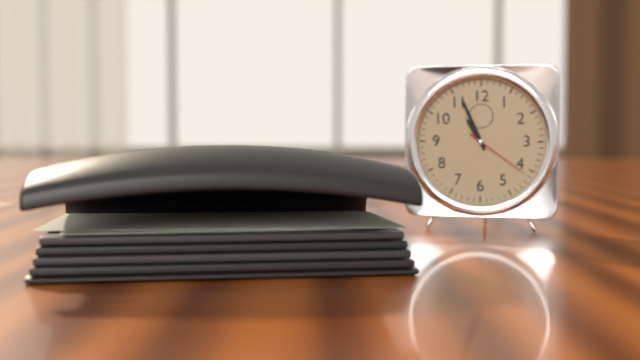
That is h=10 m=56 s=21
